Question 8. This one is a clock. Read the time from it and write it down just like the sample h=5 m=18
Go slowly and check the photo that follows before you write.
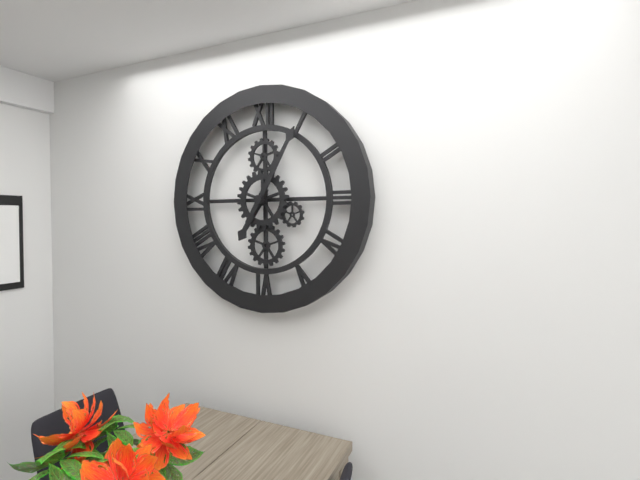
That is h=7 m=5
